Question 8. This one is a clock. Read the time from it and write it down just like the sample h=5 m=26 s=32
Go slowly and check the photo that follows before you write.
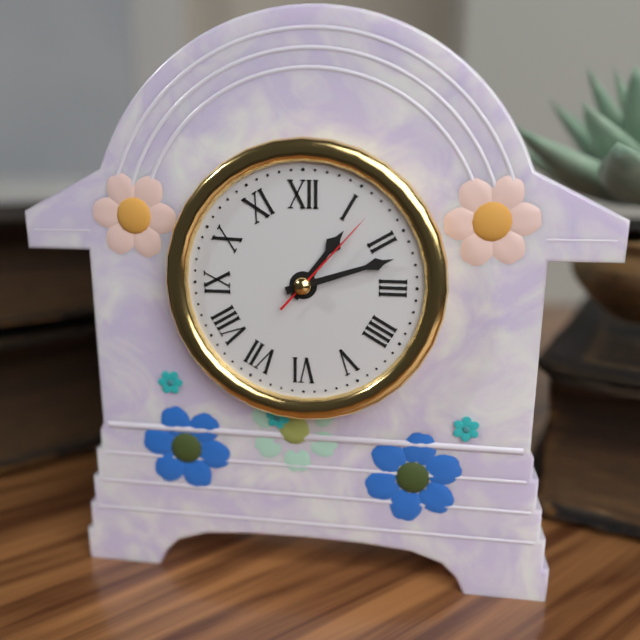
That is h=1 m=12 s=7
